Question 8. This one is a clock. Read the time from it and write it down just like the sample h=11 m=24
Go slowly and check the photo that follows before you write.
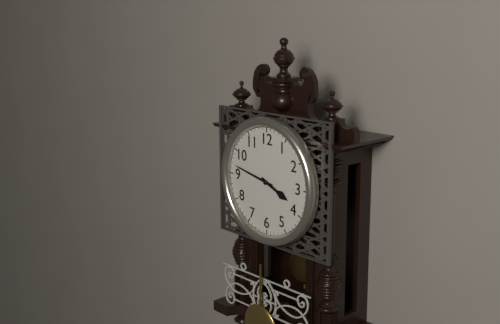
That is h=3 m=47
